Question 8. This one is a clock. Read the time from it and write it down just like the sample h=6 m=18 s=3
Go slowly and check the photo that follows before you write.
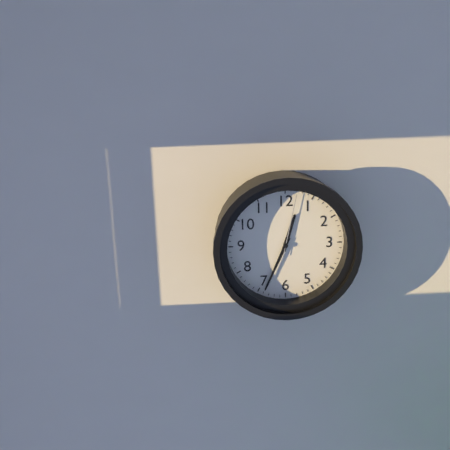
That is h=12 m=34 s=2
